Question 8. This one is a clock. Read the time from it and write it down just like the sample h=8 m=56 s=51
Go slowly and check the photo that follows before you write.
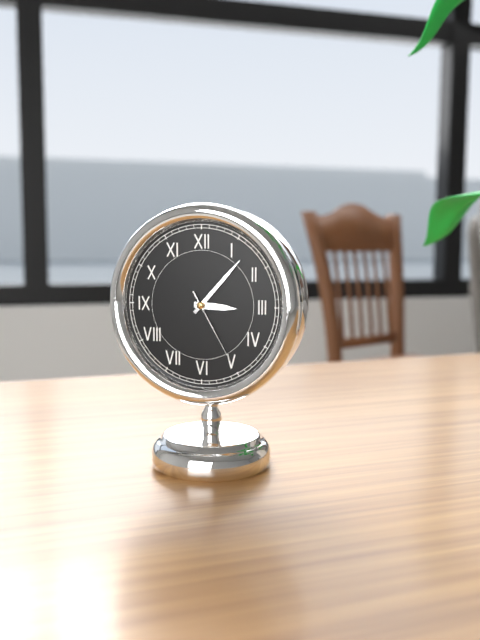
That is h=3 m=7 s=25
